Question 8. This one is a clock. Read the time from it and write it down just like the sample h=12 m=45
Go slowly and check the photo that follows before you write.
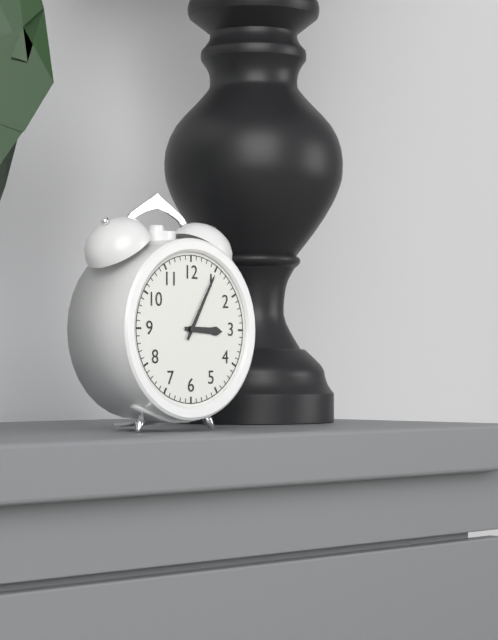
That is h=3 m=5
